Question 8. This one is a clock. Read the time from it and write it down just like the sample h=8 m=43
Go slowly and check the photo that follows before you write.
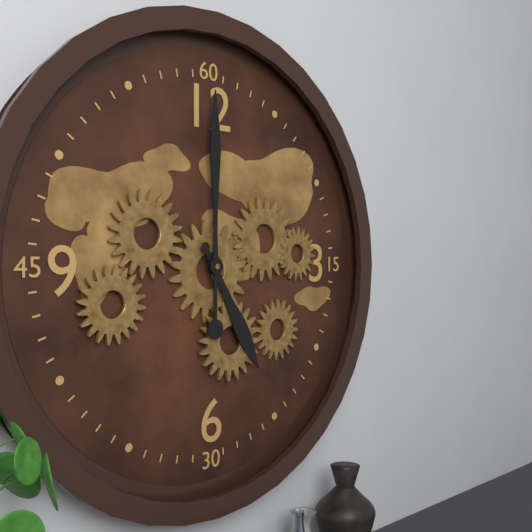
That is h=5 m=0
